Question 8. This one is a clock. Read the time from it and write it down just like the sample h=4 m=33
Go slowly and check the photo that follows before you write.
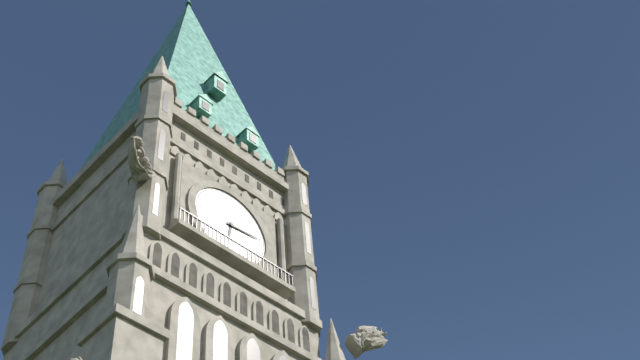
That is h=6 m=14
